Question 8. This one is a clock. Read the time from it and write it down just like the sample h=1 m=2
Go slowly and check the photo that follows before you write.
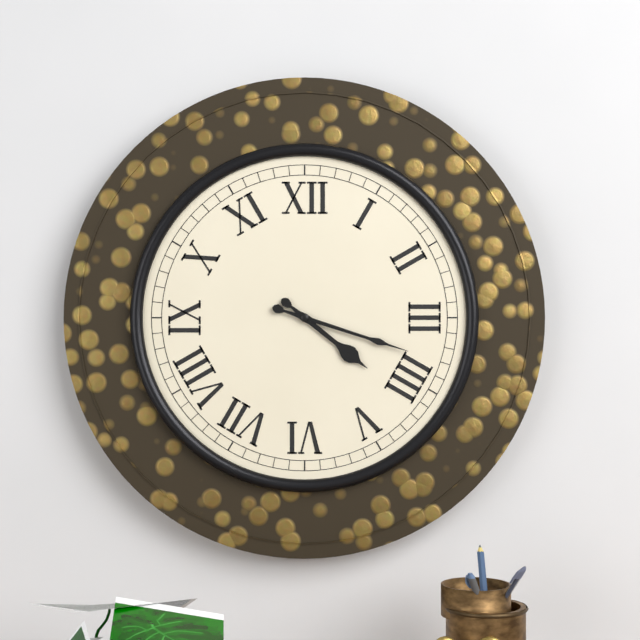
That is h=4 m=18
